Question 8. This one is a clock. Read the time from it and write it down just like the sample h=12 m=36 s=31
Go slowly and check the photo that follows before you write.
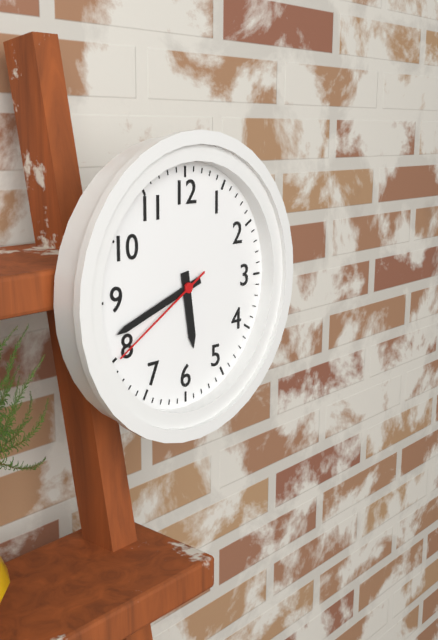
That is h=5 m=42 s=40
